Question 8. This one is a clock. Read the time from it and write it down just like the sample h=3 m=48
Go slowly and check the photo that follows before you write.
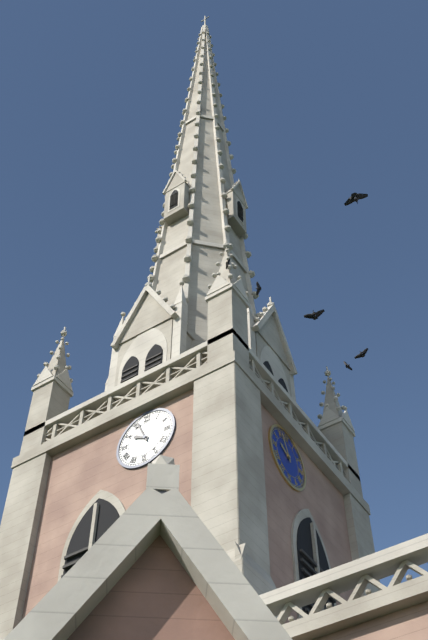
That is h=9 m=56
